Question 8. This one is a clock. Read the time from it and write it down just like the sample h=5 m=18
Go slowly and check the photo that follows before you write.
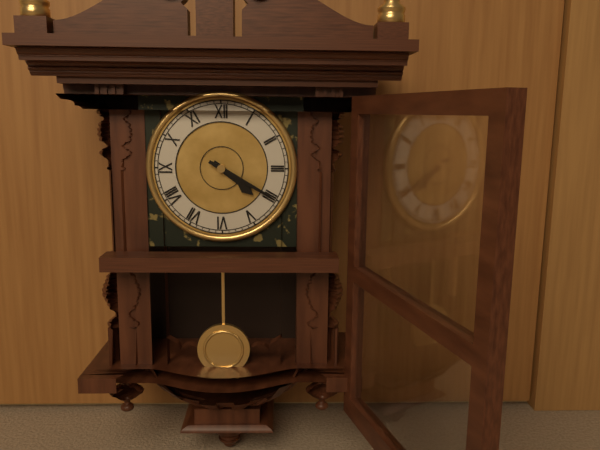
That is h=4 m=20
